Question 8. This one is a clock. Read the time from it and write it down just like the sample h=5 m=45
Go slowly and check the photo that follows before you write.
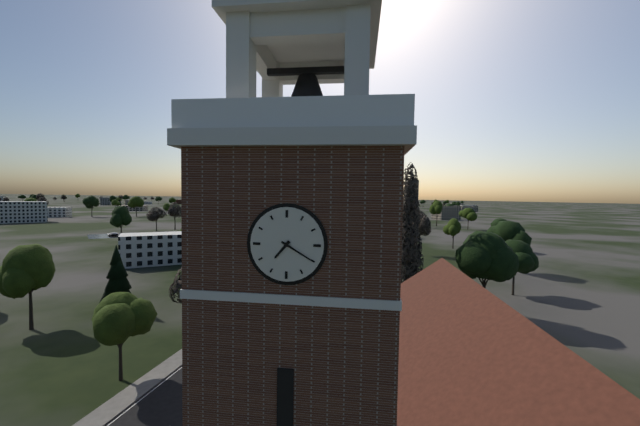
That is h=7 m=20
